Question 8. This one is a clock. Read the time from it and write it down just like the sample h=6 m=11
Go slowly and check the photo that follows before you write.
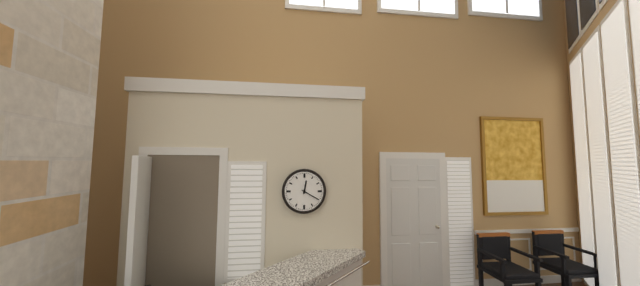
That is h=12 m=20
